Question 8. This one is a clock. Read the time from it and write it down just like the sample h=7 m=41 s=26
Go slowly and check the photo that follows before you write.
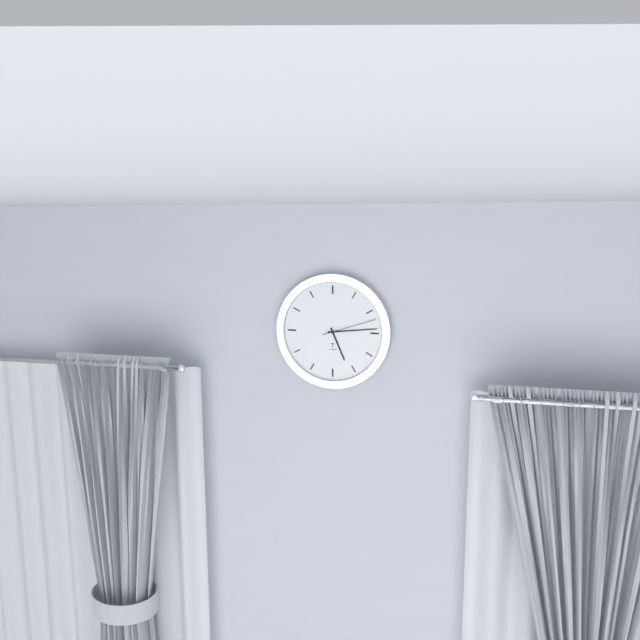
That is h=5 m=14 s=12
